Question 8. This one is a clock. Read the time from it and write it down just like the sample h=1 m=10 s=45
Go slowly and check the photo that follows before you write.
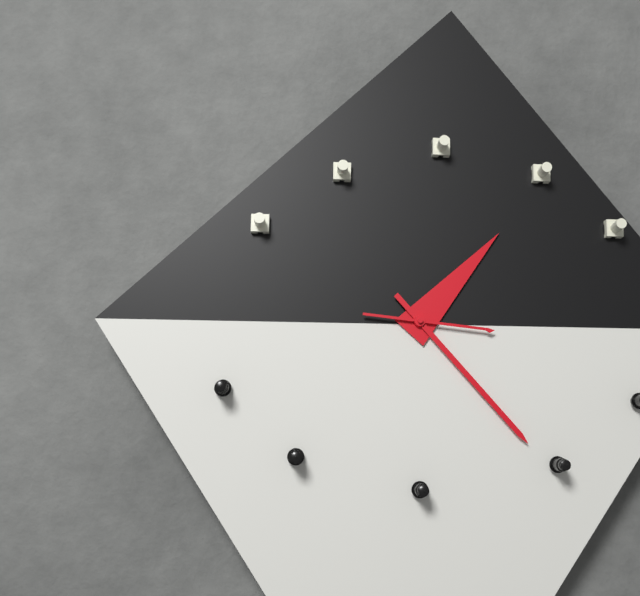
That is h=1 m=23 s=16
